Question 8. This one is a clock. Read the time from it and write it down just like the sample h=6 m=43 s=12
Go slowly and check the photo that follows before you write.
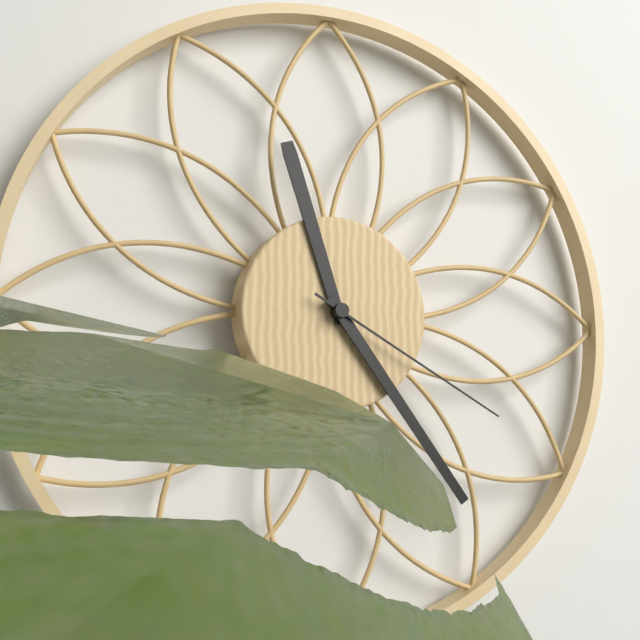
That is h=11 m=24 s=20
